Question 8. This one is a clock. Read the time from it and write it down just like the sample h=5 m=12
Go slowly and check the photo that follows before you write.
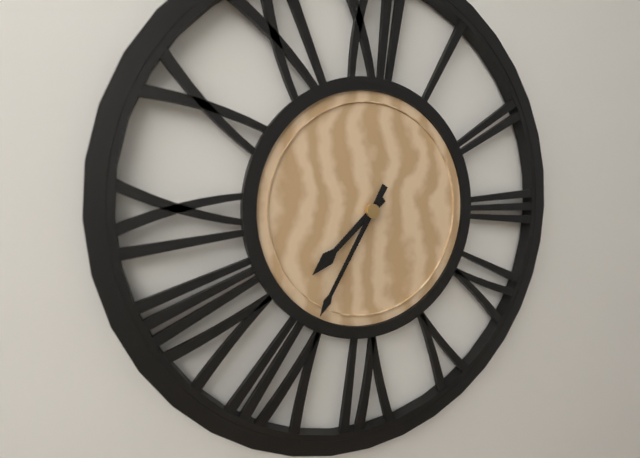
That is h=7 m=35
